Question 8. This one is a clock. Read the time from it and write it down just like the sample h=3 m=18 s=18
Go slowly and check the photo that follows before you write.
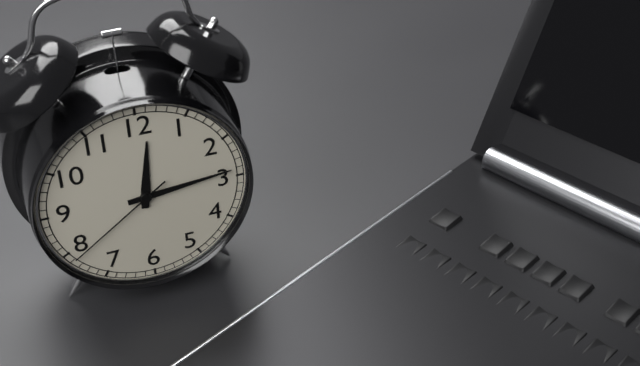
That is h=12 m=14 s=39
